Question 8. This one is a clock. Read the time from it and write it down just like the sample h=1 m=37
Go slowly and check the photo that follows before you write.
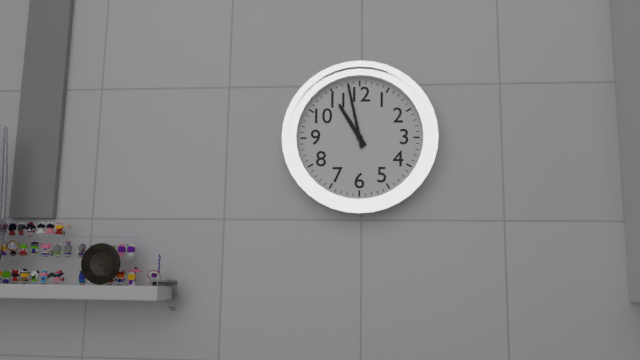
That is h=10 m=58
